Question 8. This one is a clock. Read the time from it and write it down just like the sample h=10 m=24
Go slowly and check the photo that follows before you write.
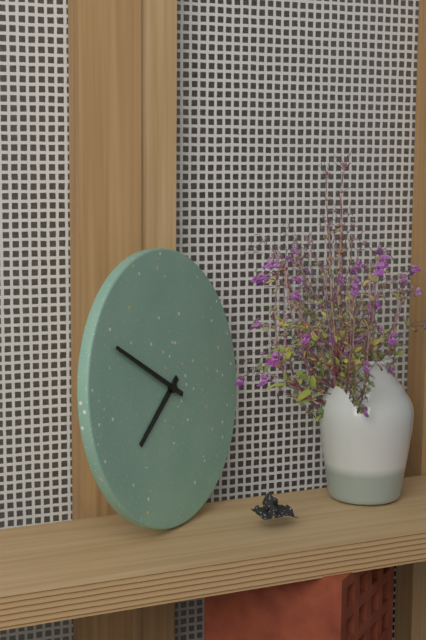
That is h=7 m=50
